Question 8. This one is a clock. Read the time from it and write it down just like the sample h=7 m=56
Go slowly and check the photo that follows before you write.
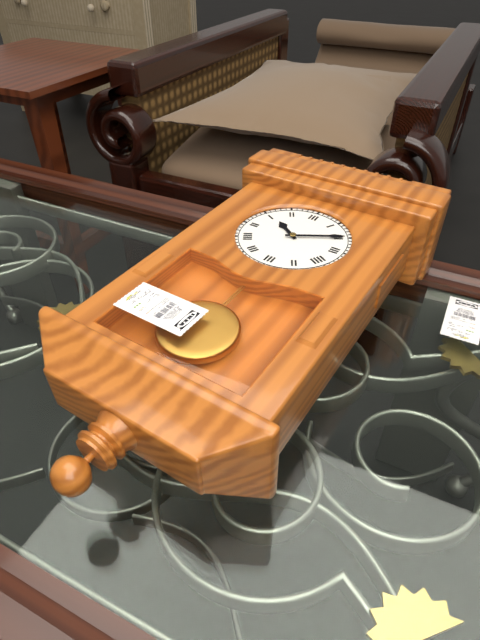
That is h=10 m=10
